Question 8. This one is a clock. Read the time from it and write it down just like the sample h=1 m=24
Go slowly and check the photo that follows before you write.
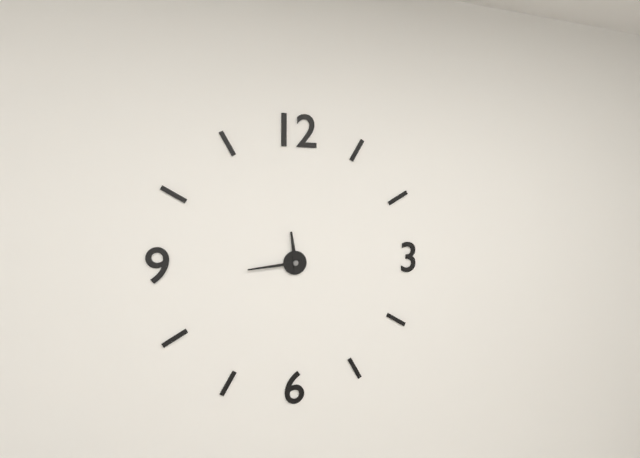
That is h=11 m=44
